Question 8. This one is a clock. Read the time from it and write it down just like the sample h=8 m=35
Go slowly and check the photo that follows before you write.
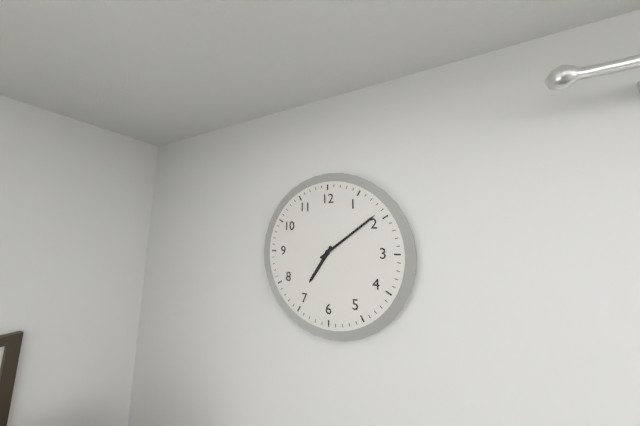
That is h=7 m=9
